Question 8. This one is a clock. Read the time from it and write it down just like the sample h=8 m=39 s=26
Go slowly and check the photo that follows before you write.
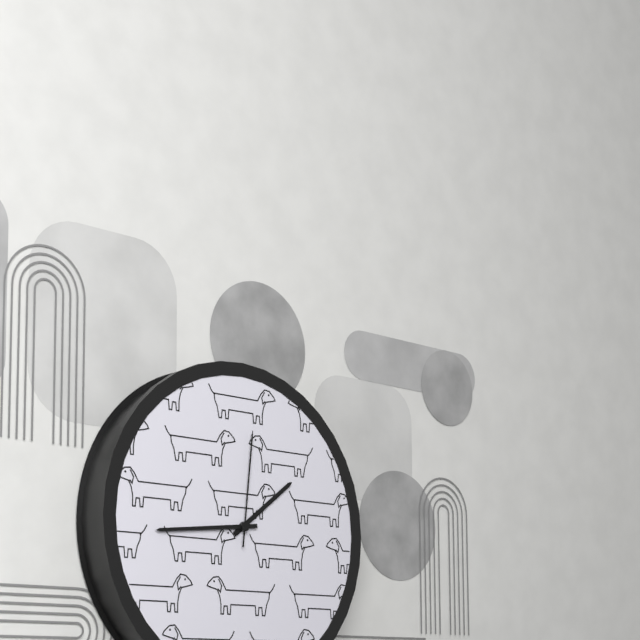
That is h=1 m=44 s=1
